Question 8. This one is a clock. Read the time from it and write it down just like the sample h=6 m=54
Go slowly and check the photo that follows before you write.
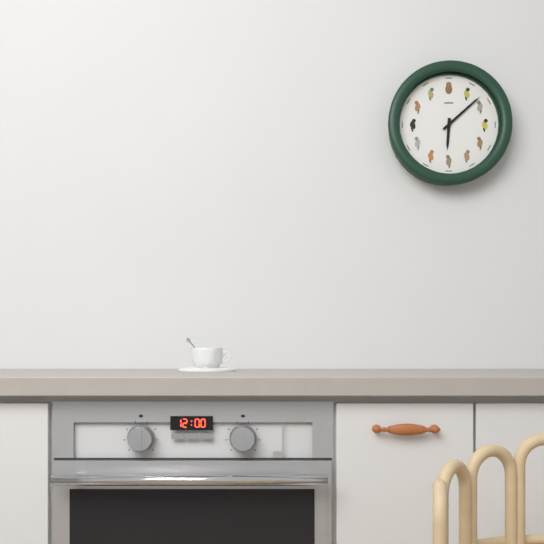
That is h=6 m=8
